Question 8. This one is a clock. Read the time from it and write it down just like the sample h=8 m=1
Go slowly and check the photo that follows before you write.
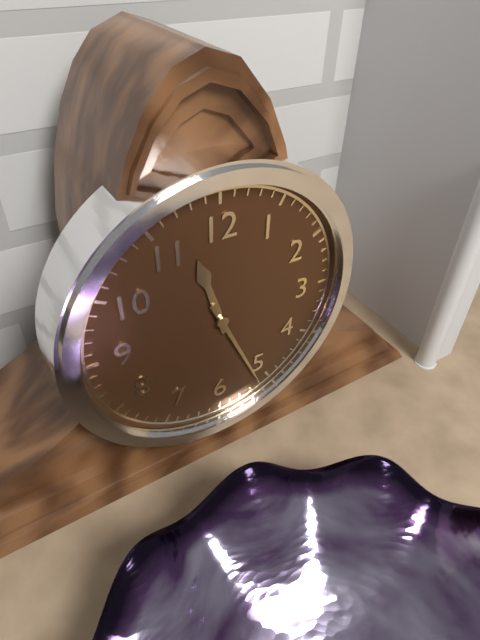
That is h=11 m=26
